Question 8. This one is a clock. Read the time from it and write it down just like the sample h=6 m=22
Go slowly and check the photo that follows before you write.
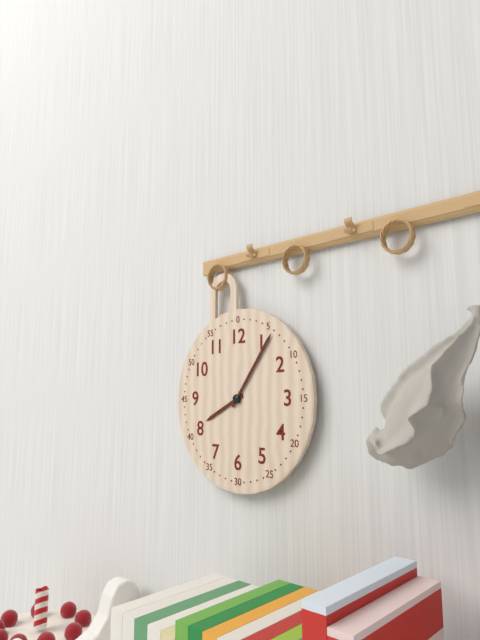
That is h=8 m=6
